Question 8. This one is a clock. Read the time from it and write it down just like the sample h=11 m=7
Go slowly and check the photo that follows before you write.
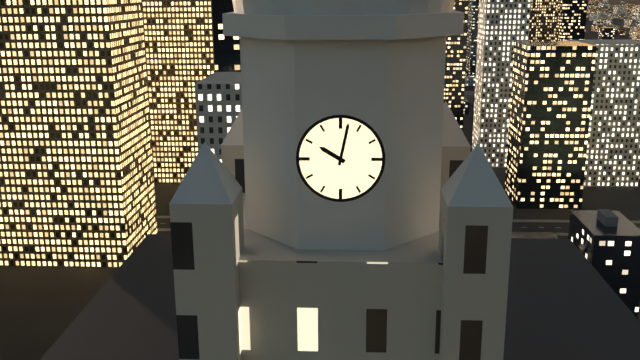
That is h=10 m=2
